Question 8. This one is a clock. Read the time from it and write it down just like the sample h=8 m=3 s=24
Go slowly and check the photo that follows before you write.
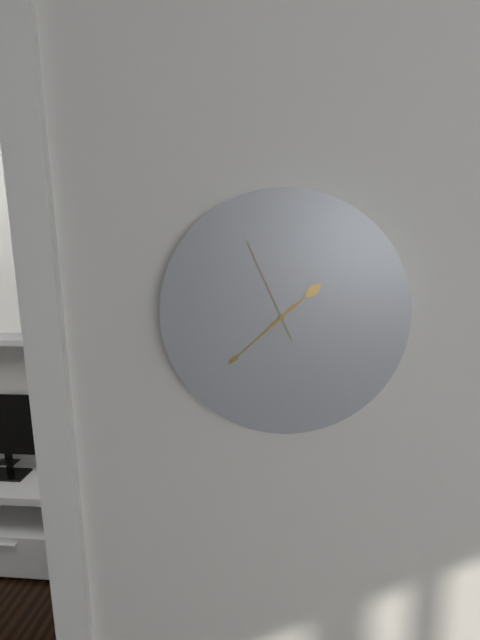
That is h=1 m=38 s=56
